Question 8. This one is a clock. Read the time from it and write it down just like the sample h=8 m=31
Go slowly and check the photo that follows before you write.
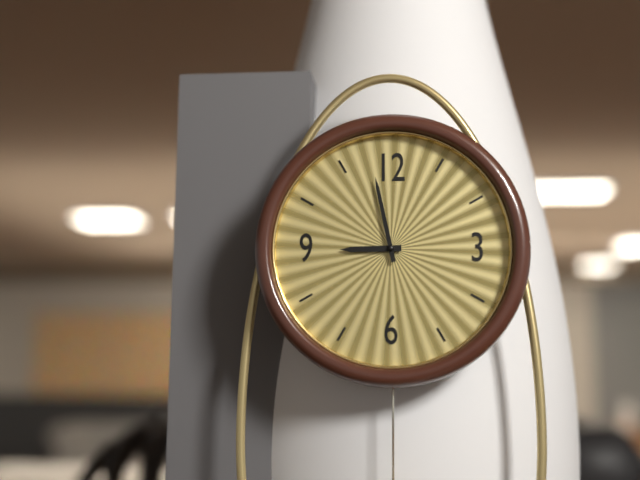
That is h=8 m=58
